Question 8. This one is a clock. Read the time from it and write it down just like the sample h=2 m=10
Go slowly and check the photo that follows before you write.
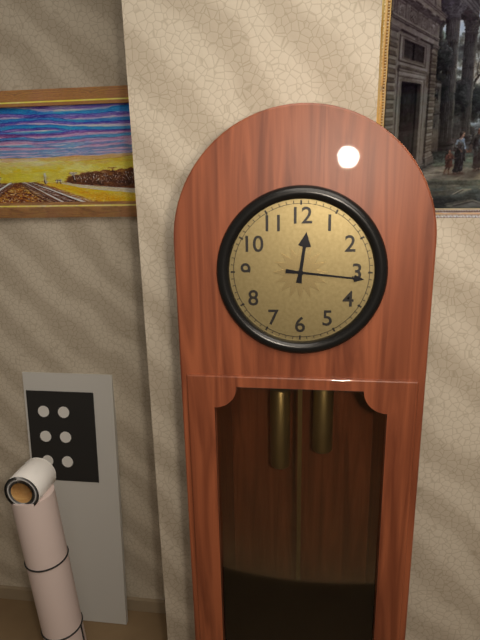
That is h=12 m=16
